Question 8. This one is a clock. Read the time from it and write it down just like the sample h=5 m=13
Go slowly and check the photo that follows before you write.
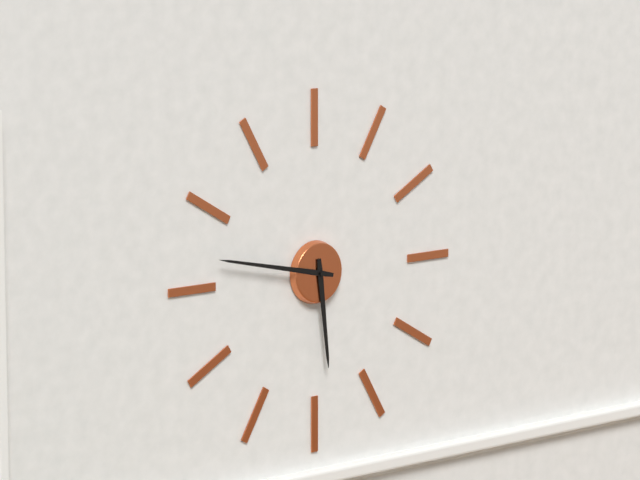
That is h=5 m=47
